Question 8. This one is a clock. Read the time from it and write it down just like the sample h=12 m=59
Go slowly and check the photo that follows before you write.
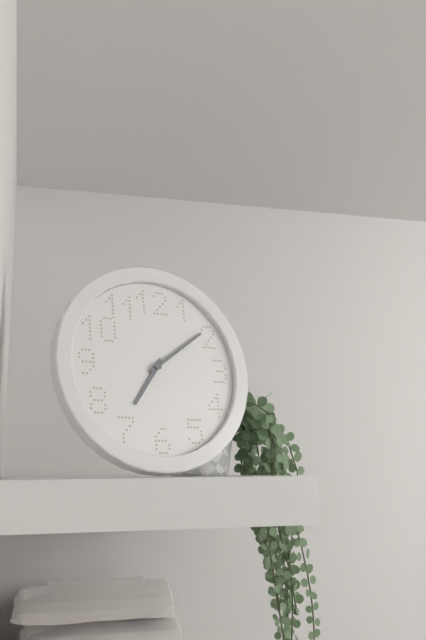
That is h=7 m=9
